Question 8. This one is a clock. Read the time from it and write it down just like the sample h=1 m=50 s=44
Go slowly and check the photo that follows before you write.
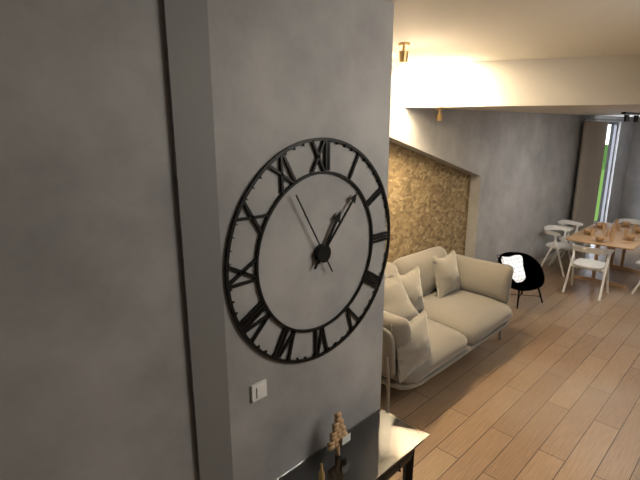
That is h=1 m=7 s=55
